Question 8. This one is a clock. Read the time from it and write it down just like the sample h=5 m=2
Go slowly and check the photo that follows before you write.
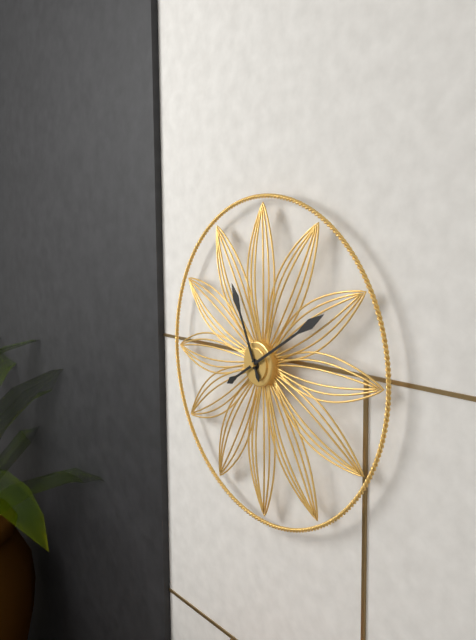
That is h=11 m=10
